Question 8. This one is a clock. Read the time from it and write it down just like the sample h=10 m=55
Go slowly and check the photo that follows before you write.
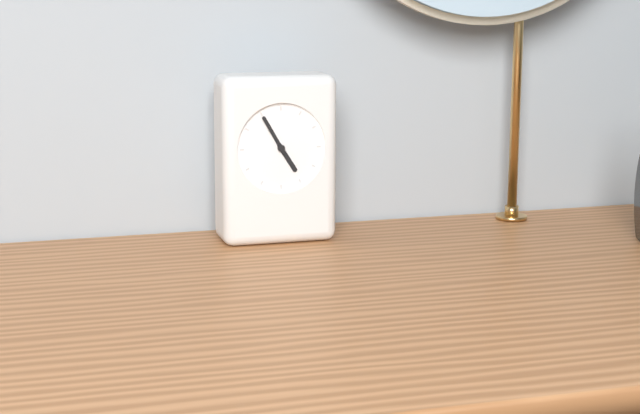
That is h=4 m=55
